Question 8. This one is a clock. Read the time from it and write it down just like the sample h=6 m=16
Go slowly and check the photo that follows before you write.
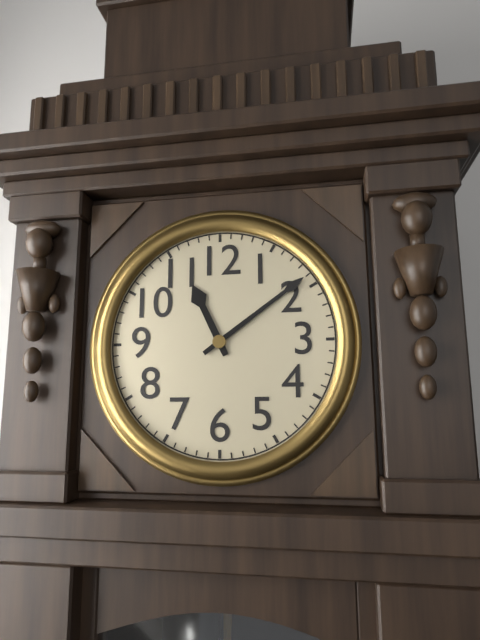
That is h=11 m=9
